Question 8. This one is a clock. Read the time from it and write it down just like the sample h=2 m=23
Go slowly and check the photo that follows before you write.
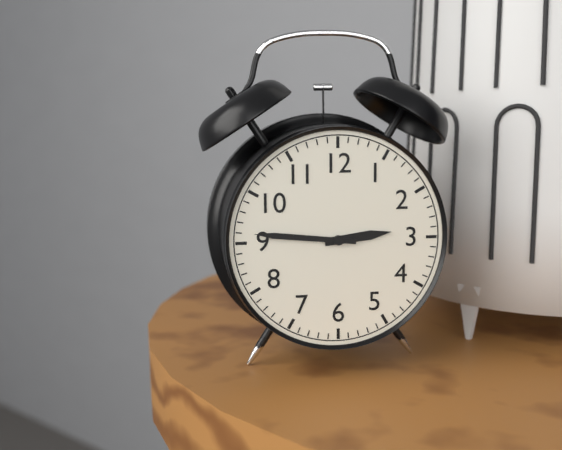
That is h=2 m=46
